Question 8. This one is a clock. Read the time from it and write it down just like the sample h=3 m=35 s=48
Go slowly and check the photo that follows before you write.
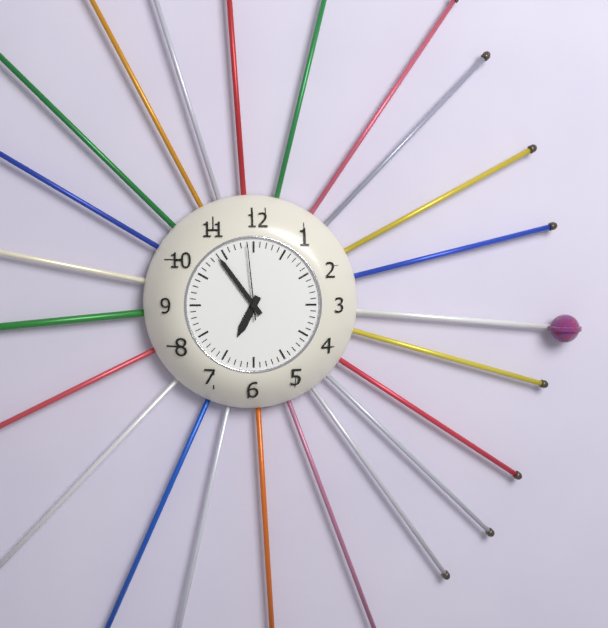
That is h=6 m=54 s=59
